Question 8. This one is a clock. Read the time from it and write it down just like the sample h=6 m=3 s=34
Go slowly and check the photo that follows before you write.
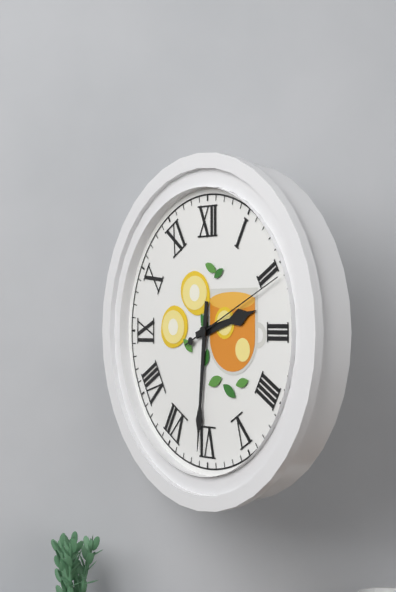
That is h=2 m=31 s=11
